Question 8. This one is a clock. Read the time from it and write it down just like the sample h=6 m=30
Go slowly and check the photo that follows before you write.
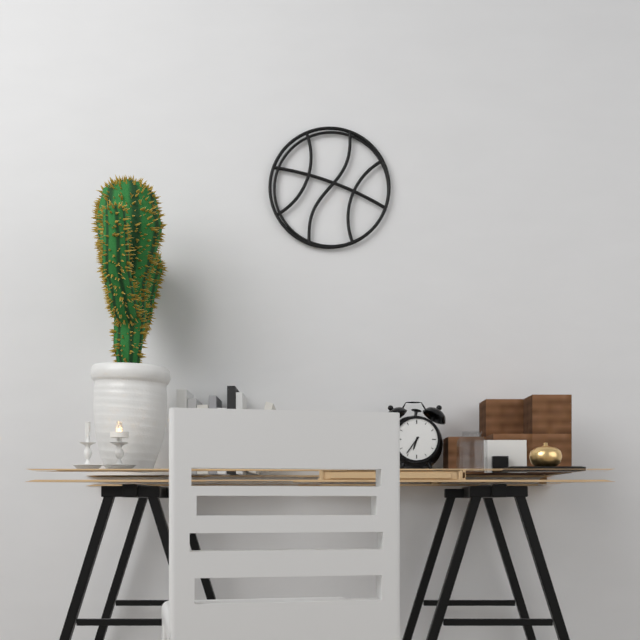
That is h=6 m=36
